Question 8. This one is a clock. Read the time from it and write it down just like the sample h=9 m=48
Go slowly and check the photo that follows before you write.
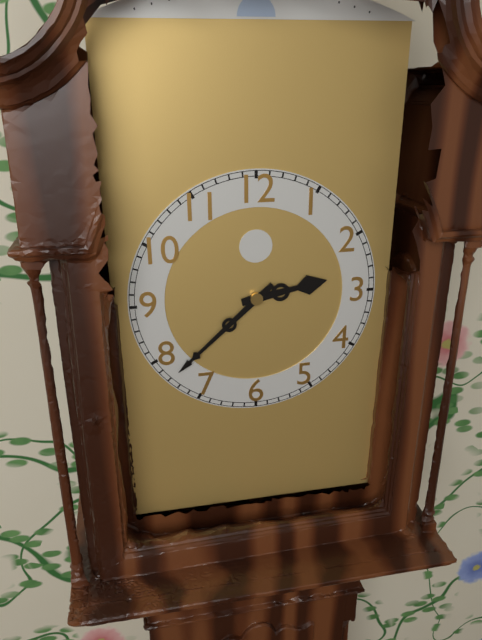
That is h=2 m=38
